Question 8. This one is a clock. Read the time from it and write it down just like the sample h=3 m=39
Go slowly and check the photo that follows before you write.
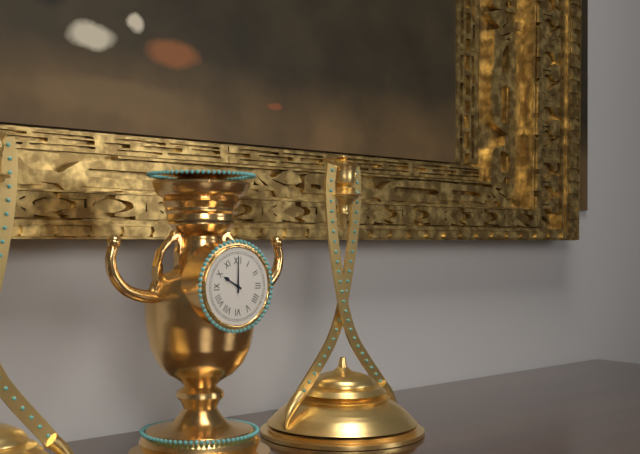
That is h=10 m=0
